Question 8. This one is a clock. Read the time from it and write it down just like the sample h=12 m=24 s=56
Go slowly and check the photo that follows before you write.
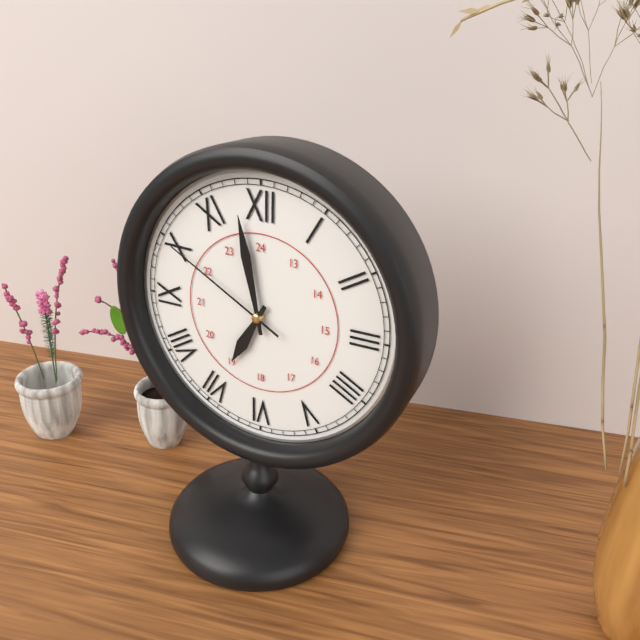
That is h=6 m=58 s=50
